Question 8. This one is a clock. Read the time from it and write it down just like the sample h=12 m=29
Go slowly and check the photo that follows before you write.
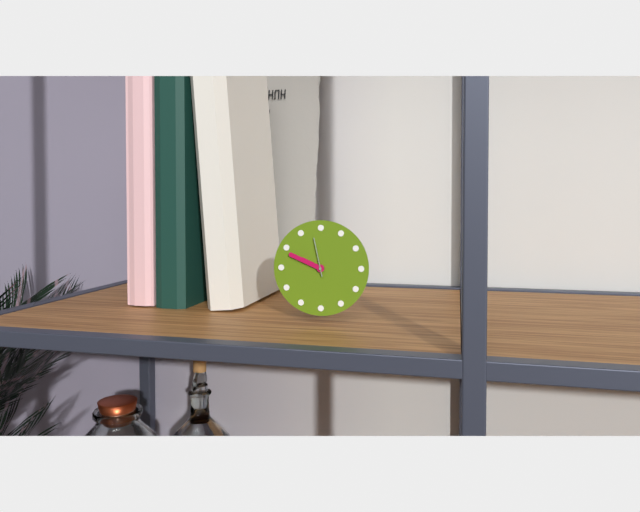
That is h=9 m=49
